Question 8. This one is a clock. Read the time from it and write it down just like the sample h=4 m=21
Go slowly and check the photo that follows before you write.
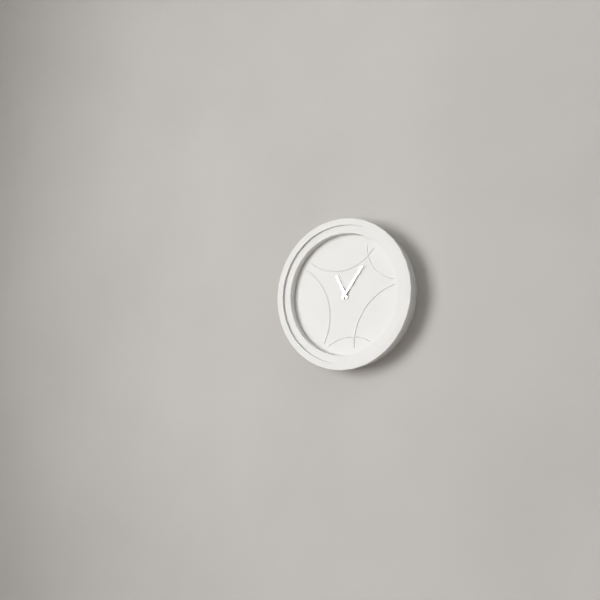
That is h=11 m=6
